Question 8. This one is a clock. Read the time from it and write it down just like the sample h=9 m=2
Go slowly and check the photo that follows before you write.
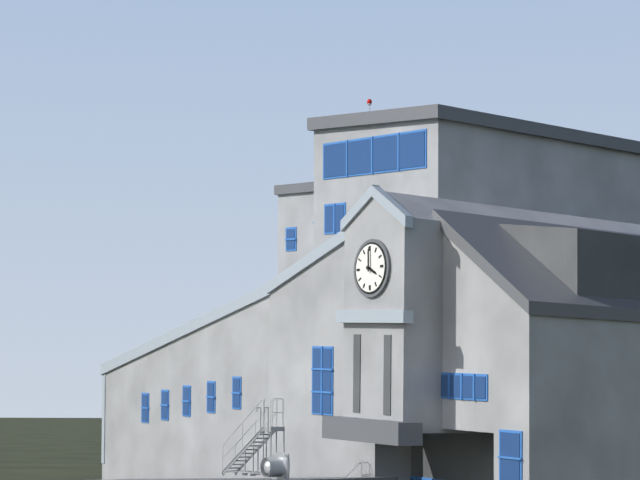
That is h=4 m=0
